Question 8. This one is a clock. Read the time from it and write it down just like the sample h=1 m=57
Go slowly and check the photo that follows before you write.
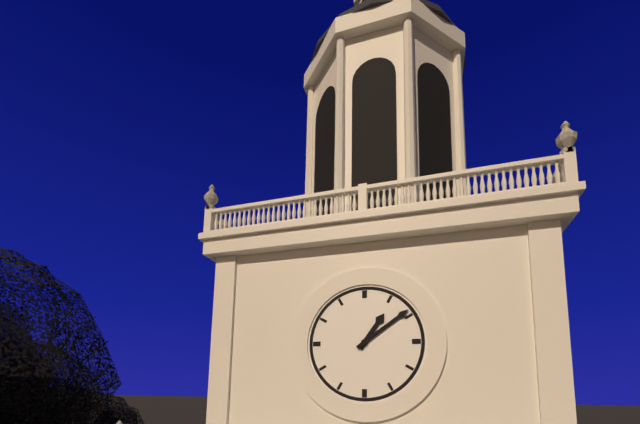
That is h=1 m=9
